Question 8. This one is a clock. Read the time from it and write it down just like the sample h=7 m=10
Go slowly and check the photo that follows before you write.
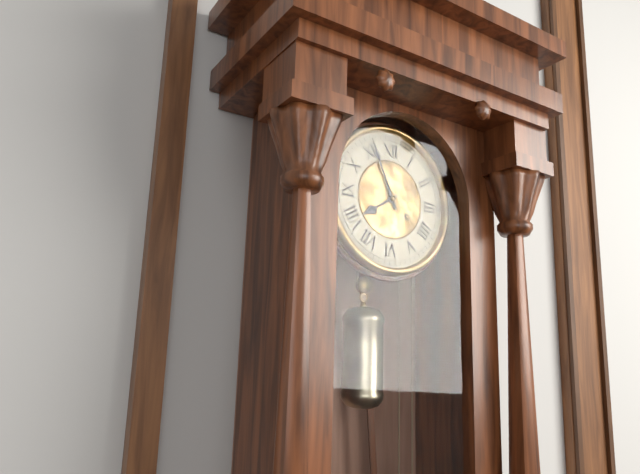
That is h=7 m=56
